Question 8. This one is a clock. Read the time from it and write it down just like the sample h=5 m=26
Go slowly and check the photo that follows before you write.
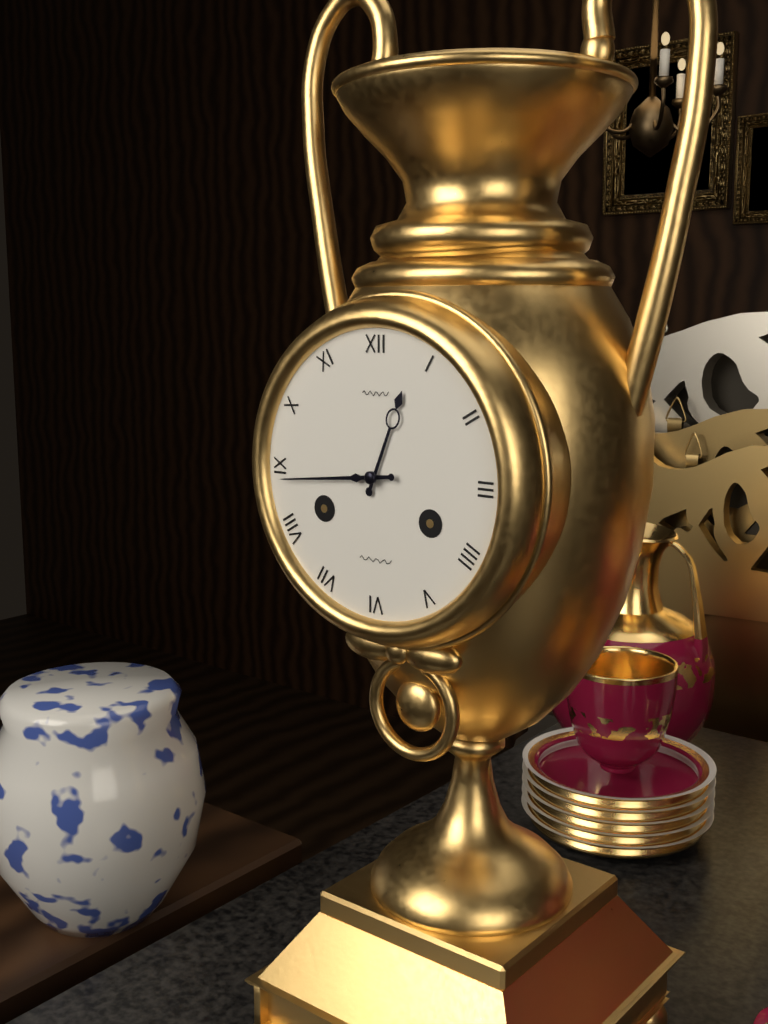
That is h=12 m=44
